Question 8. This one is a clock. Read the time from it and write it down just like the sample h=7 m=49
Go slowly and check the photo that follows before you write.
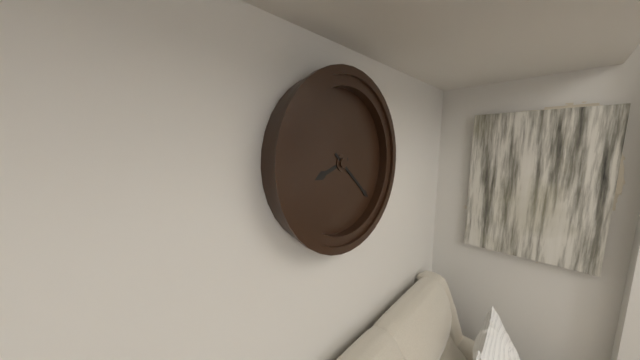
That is h=8 m=22
